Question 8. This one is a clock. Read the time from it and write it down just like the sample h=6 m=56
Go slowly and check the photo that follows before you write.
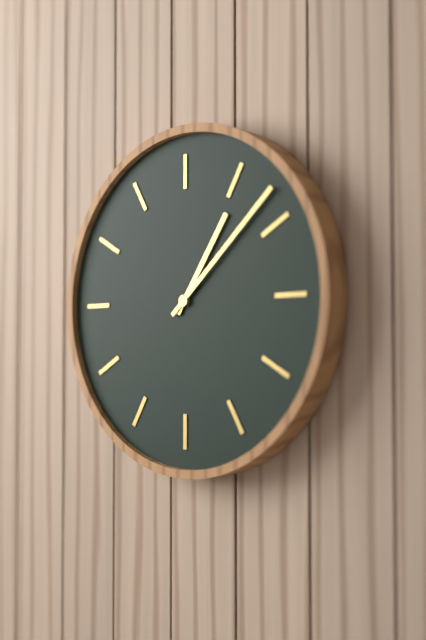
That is h=1 m=8
